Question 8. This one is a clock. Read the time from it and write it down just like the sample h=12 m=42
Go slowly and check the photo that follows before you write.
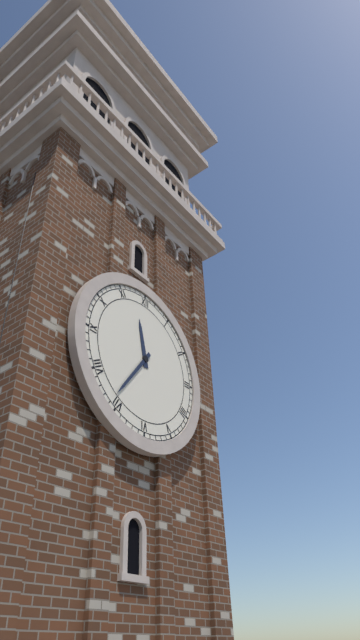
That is h=11 m=36
